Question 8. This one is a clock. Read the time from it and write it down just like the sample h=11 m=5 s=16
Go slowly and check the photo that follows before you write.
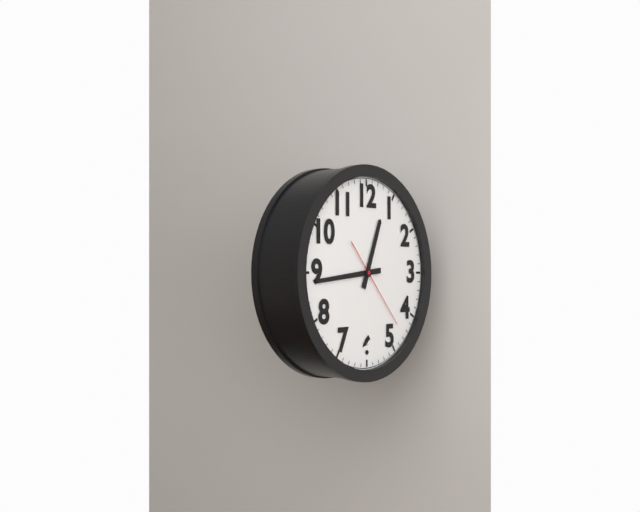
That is h=12 m=44 s=23
